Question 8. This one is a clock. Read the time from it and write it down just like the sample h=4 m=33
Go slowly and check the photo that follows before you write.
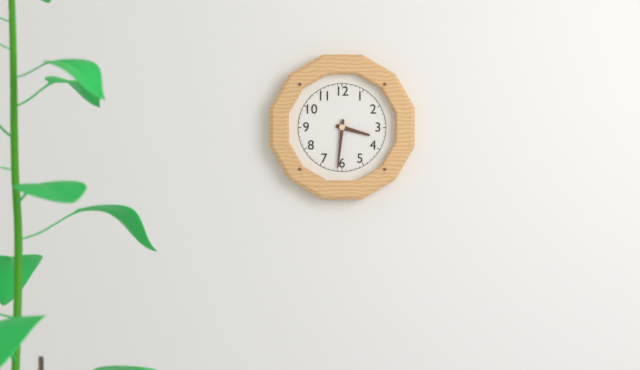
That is h=3 m=31
